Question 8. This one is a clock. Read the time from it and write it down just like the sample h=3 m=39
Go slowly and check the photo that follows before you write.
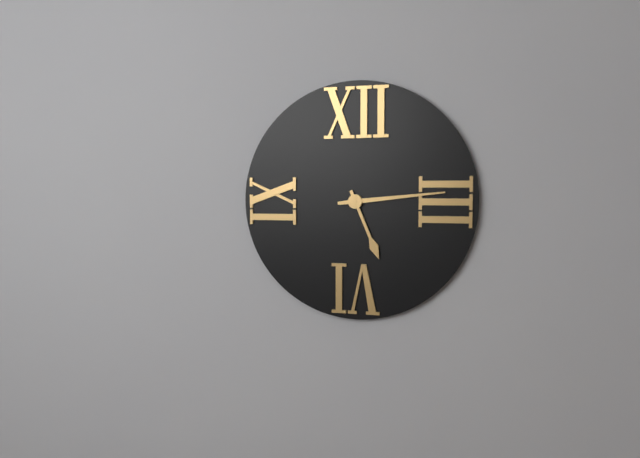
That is h=5 m=14
